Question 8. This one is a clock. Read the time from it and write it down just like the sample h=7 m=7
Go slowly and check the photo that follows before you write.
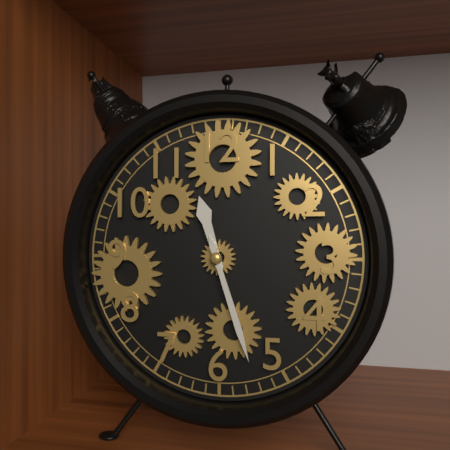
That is h=11 m=27
